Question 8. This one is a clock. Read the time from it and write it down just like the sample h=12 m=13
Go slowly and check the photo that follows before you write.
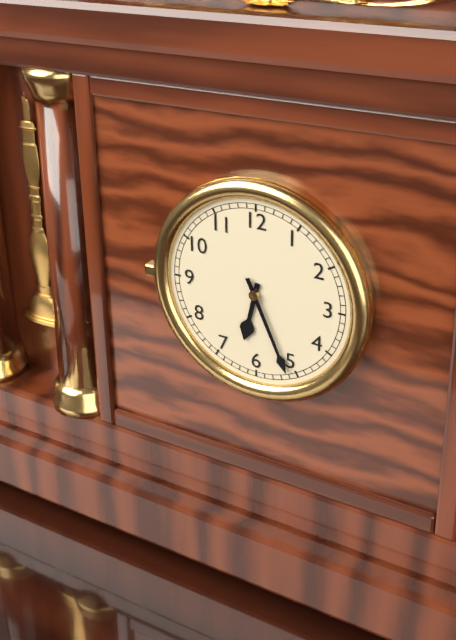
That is h=6 m=26
